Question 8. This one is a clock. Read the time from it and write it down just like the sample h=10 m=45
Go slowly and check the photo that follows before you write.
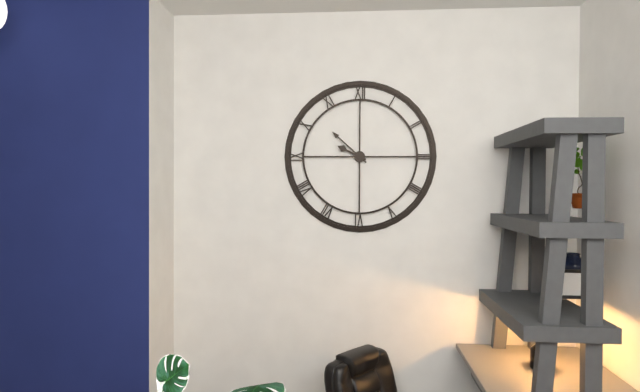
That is h=9 m=52
